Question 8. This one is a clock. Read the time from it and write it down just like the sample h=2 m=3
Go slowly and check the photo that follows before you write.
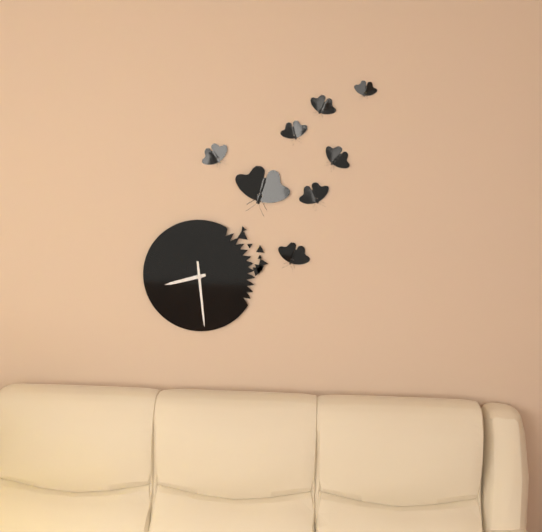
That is h=8 m=29
